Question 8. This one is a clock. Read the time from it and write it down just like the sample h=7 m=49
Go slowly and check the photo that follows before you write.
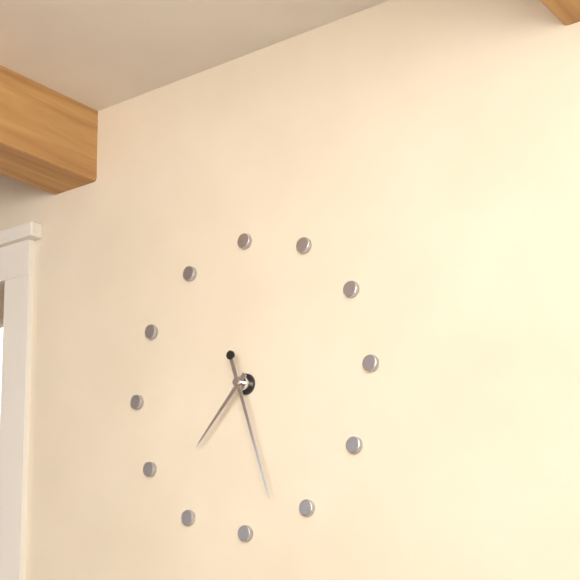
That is h=7 m=27
